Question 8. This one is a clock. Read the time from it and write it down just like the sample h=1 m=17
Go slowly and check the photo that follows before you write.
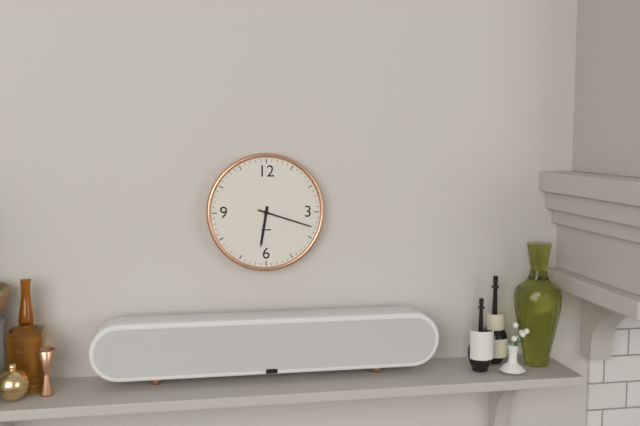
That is h=6 m=18
